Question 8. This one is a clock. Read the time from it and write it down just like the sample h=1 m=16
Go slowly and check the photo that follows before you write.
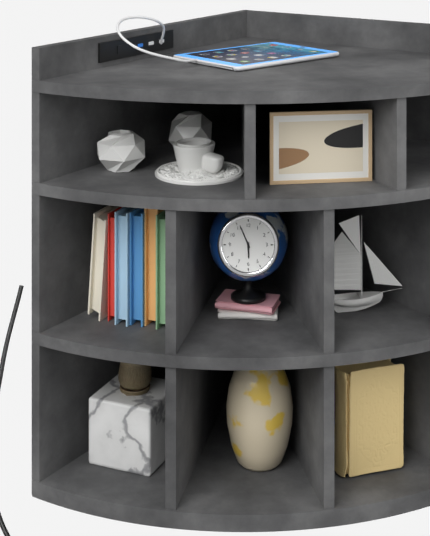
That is h=5 m=56
